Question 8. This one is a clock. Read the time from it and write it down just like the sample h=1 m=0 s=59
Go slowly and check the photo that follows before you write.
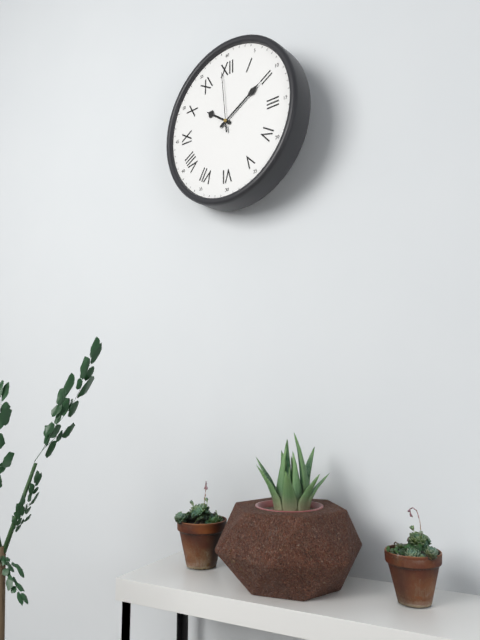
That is h=10 m=10 s=59
